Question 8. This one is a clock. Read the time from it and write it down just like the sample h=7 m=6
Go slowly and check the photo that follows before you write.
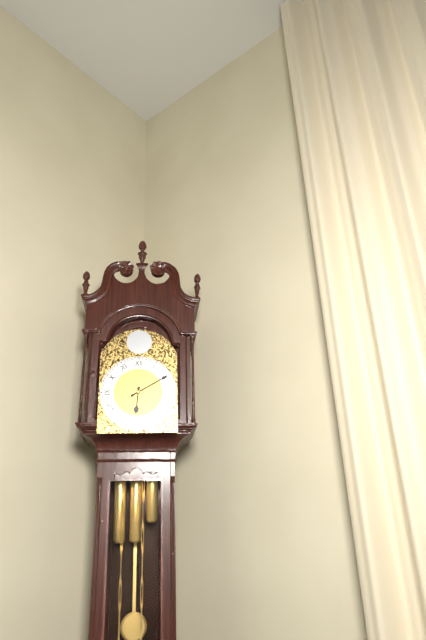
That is h=6 m=10
